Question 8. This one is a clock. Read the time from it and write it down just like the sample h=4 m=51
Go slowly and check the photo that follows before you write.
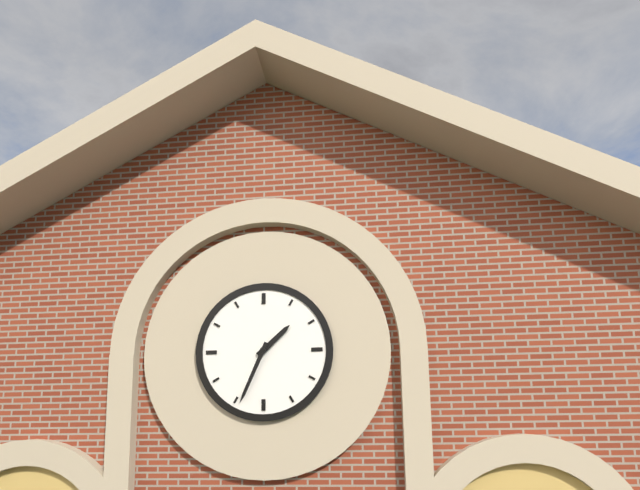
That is h=1 m=34
